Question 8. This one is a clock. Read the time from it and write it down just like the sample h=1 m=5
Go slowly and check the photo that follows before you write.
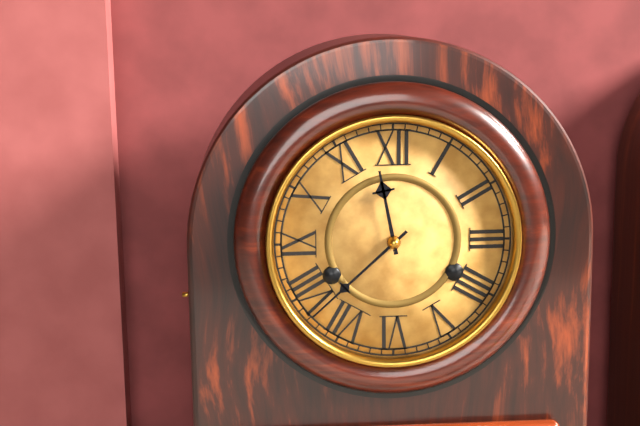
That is h=11 m=38
